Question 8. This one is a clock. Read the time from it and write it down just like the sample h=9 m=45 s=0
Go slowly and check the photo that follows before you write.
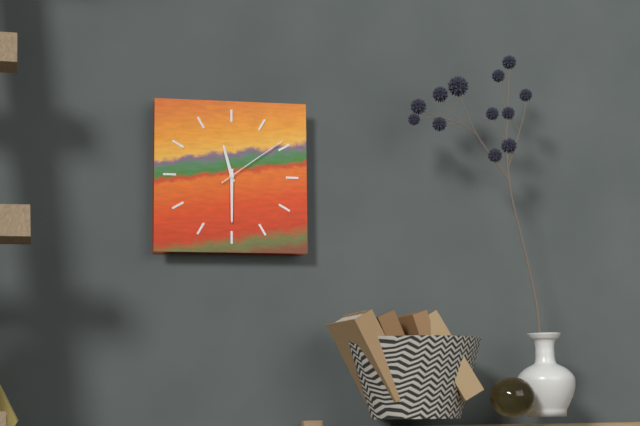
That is h=11 m=30 s=9
